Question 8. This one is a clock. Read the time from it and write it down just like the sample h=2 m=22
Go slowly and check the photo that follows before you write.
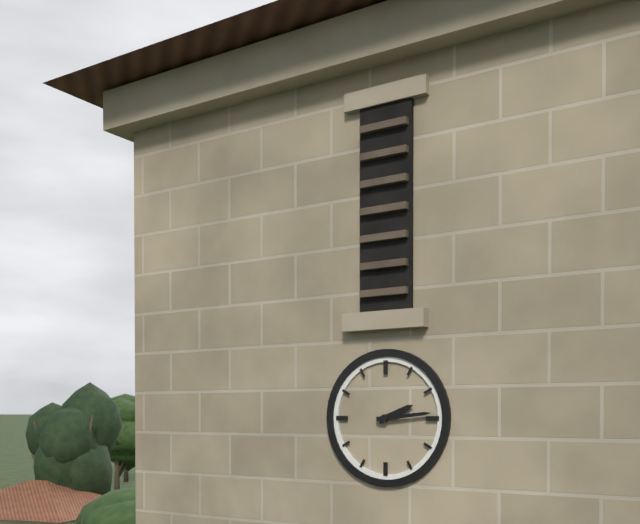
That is h=2 m=14
